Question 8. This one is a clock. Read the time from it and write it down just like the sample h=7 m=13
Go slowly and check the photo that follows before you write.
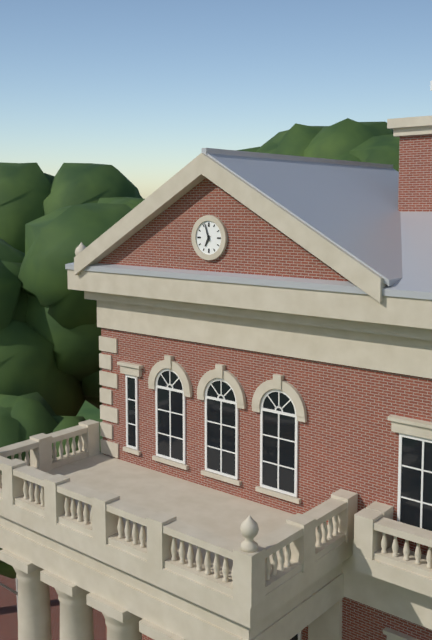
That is h=6 m=57
